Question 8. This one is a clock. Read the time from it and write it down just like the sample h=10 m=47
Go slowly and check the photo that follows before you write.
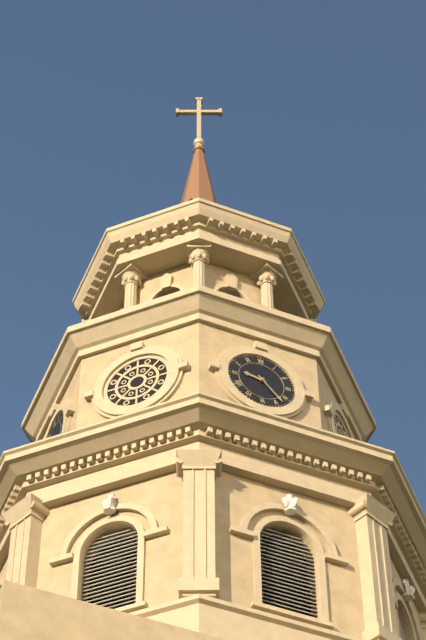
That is h=9 m=23
